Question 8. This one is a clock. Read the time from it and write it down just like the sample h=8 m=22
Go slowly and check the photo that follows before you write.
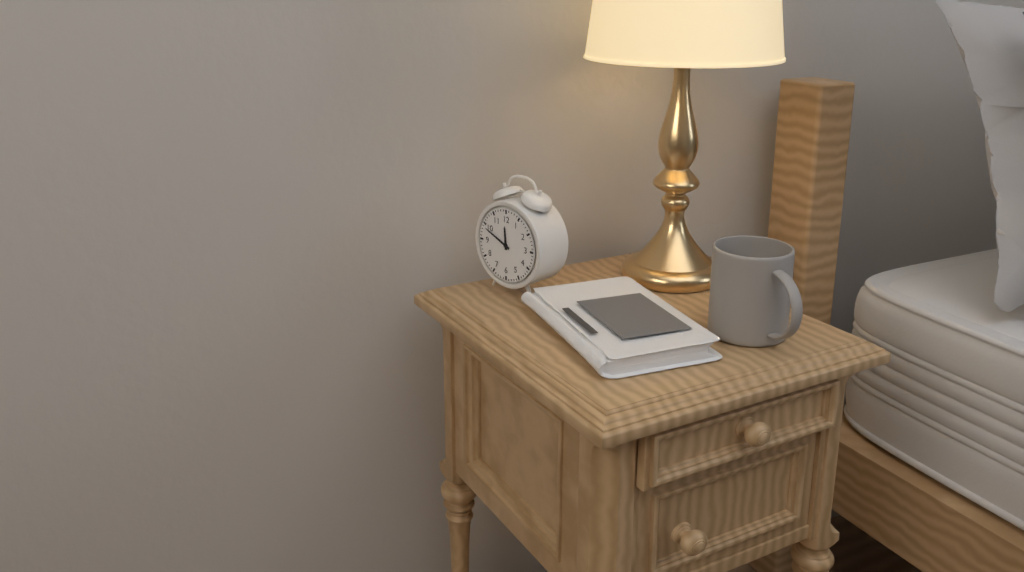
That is h=11 m=49
